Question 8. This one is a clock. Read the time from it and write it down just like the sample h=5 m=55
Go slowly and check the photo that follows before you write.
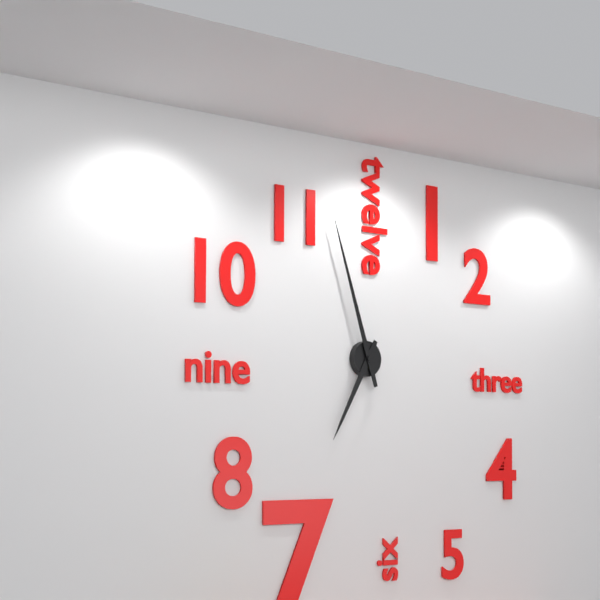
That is h=6 m=57
